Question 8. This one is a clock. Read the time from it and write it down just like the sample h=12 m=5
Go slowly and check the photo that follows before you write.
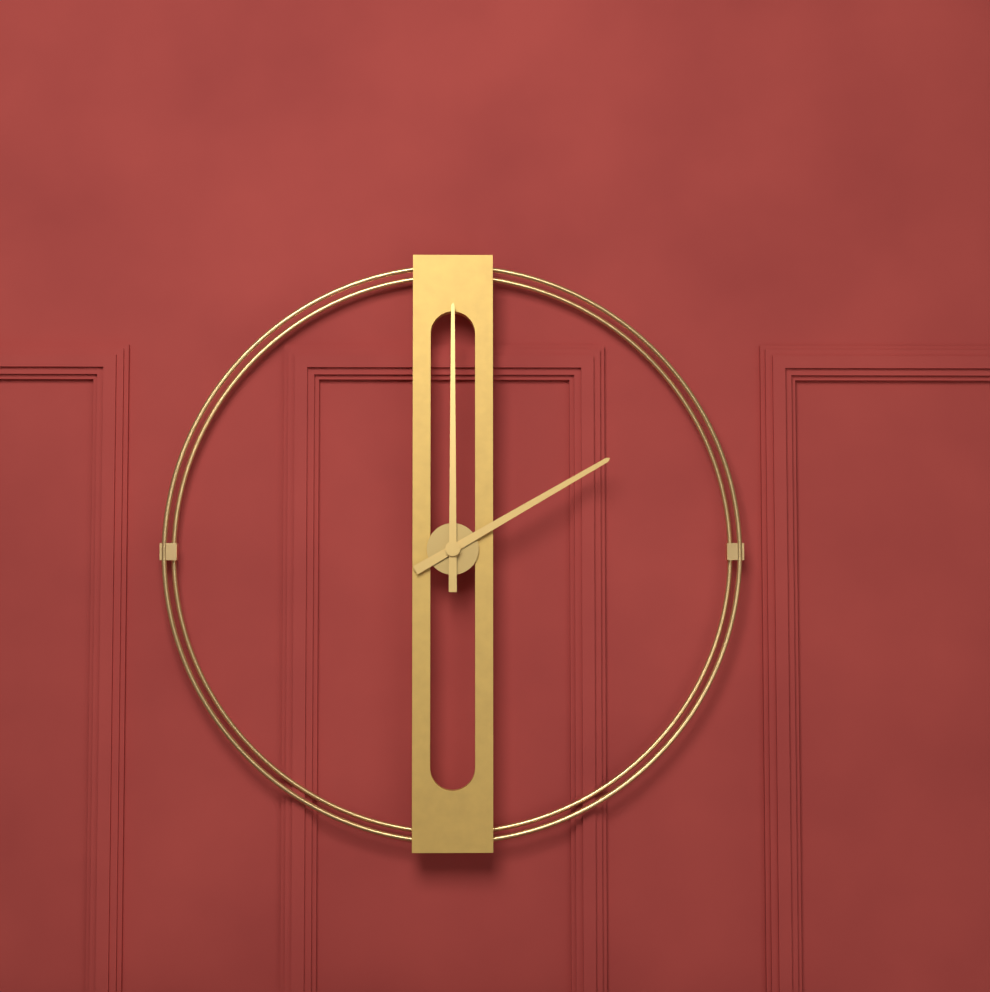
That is h=2 m=0
